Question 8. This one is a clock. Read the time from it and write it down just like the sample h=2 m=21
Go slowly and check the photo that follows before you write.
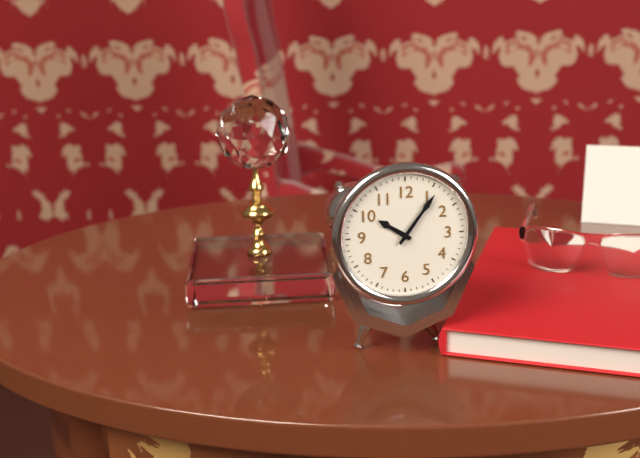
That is h=10 m=6
